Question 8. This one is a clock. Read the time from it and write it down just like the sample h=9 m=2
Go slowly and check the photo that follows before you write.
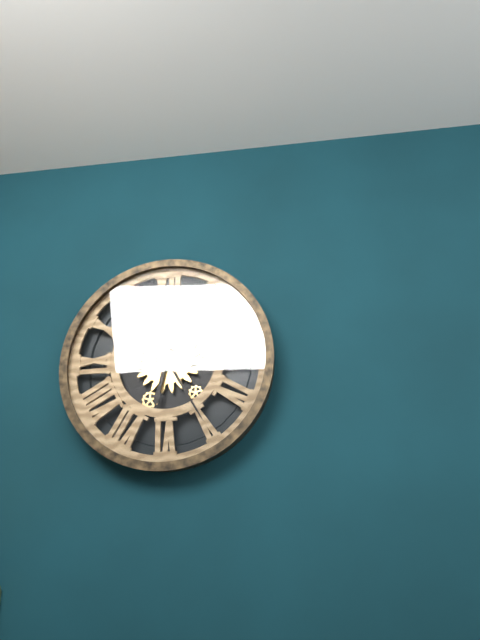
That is h=6 m=25
